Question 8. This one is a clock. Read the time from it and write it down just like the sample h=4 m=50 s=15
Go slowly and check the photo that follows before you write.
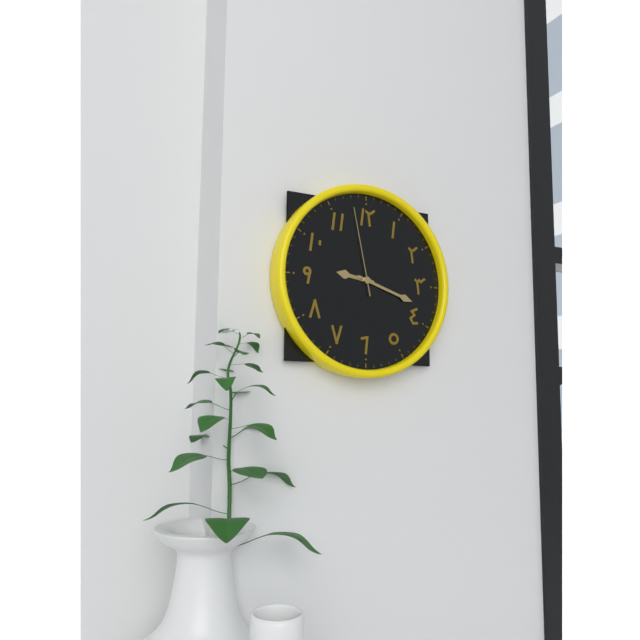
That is h=9 m=18 s=58
